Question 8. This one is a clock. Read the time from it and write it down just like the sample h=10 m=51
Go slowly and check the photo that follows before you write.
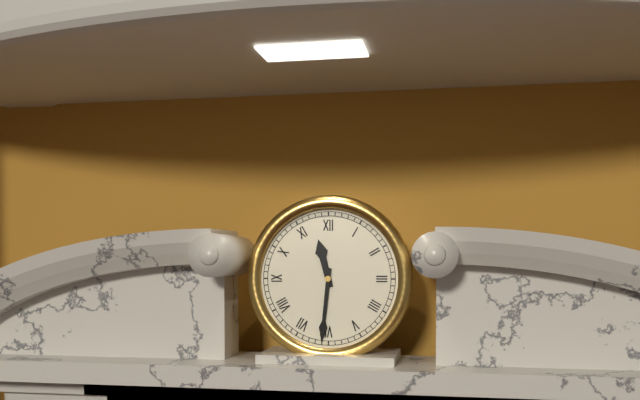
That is h=11 m=31
